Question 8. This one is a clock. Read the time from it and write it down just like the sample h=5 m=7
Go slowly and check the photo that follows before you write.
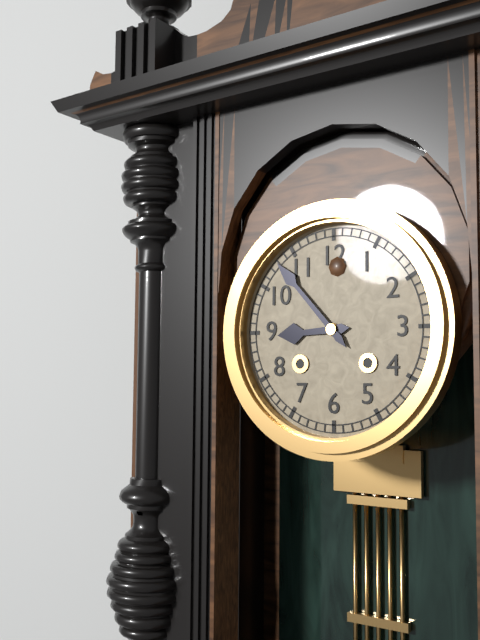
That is h=8 m=53
